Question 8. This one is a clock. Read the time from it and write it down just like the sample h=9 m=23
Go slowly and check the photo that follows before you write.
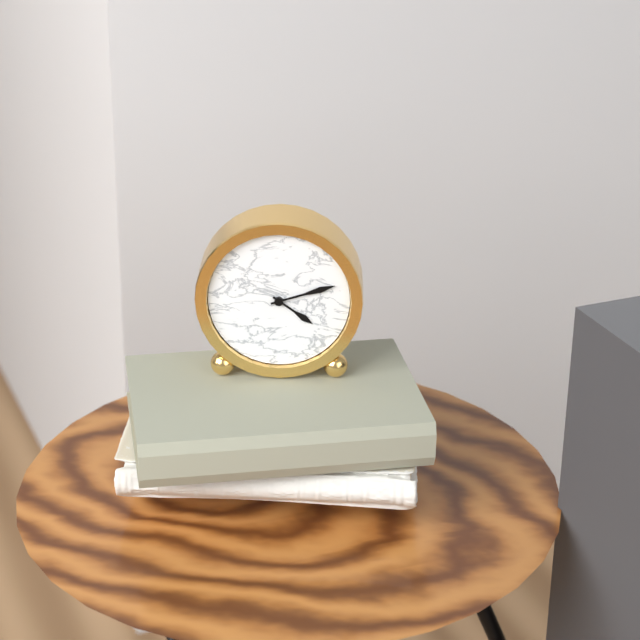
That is h=4 m=12
